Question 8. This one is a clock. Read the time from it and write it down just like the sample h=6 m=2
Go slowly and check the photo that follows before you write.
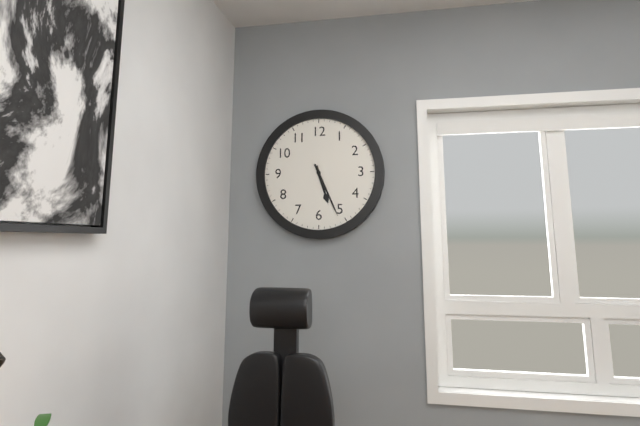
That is h=5 m=26
